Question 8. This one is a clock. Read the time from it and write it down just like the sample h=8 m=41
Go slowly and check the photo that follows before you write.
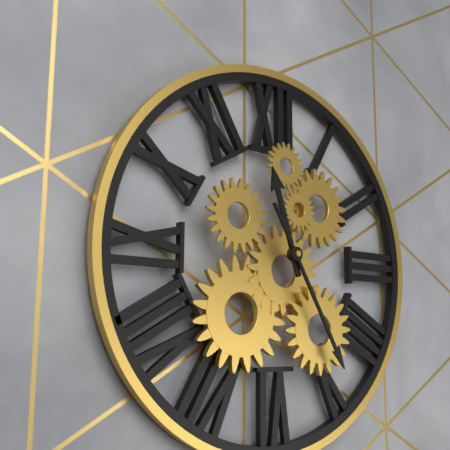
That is h=11 m=25
